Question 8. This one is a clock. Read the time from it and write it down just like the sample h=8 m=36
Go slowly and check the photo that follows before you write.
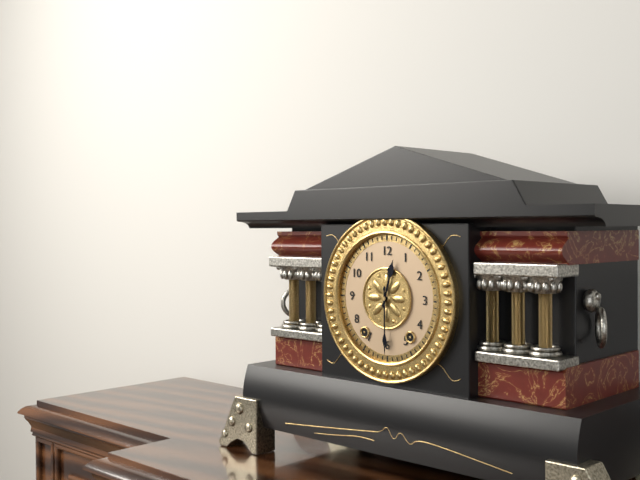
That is h=12 m=30
